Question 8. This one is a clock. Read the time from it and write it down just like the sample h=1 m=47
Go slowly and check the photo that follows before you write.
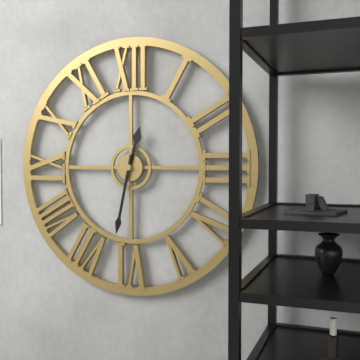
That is h=12 m=32
